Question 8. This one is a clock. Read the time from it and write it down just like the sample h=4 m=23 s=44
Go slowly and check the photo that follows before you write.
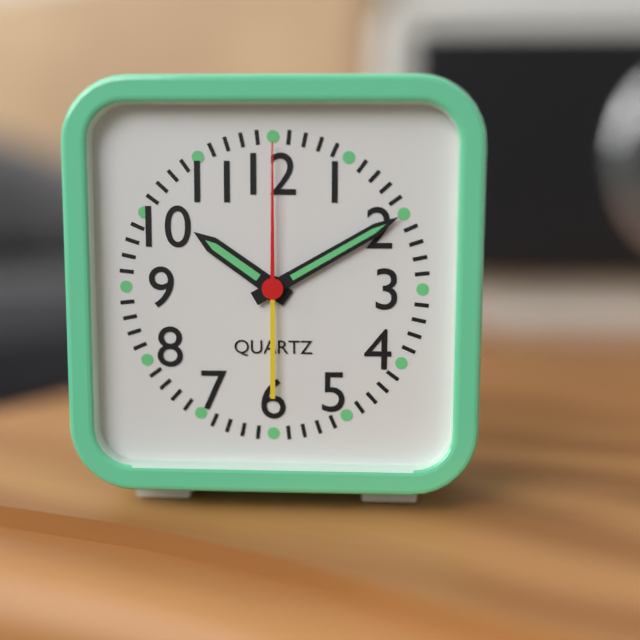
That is h=10 m=10 s=0
